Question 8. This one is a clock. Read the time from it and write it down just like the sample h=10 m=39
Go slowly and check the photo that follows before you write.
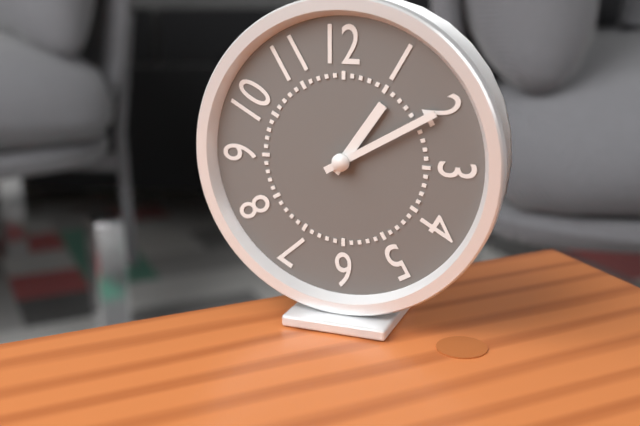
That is h=1 m=10
